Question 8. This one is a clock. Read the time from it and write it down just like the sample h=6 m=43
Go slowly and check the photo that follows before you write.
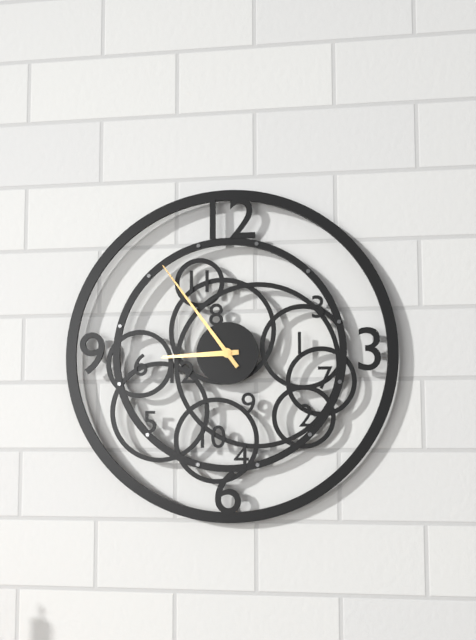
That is h=8 m=54
